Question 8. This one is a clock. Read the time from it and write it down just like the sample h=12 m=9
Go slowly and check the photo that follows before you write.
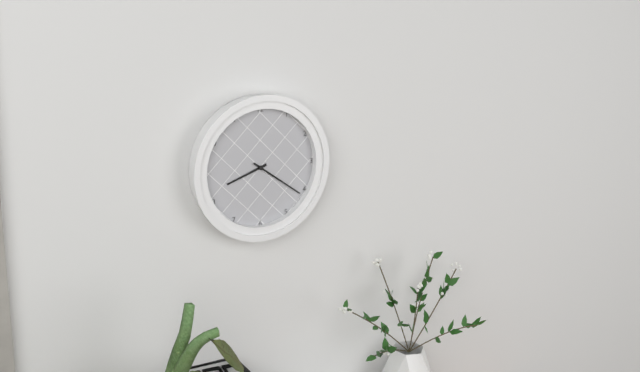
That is h=8 m=21
